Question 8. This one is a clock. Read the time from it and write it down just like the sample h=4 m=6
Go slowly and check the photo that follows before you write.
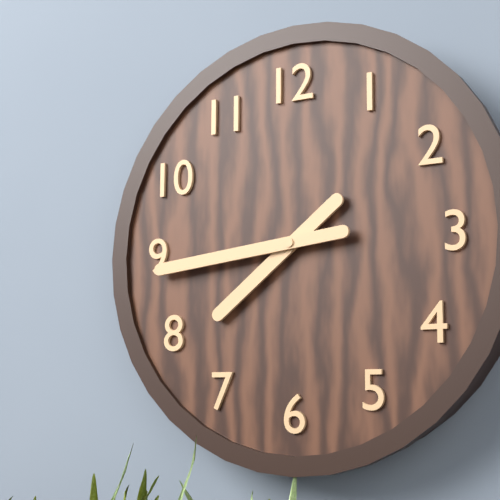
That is h=7 m=44
